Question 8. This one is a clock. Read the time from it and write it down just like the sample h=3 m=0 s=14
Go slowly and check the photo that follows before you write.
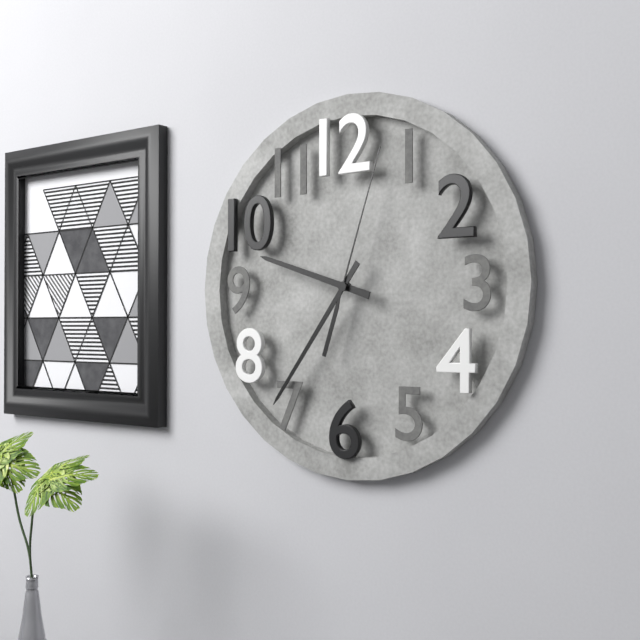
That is h=9 m=36 s=3
